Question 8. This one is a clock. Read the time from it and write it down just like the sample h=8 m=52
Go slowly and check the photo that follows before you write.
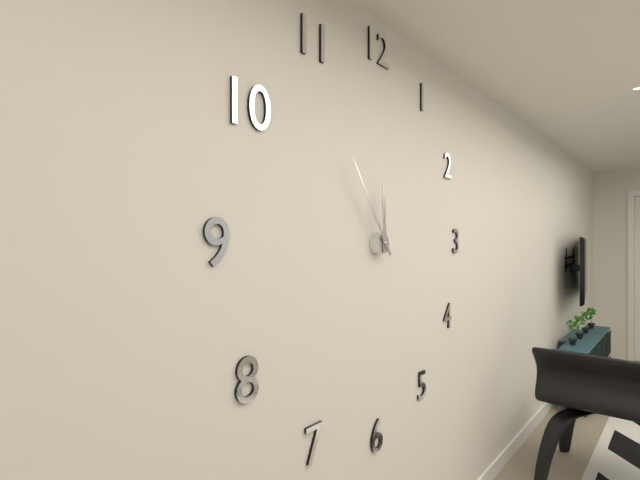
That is h=11 m=54
